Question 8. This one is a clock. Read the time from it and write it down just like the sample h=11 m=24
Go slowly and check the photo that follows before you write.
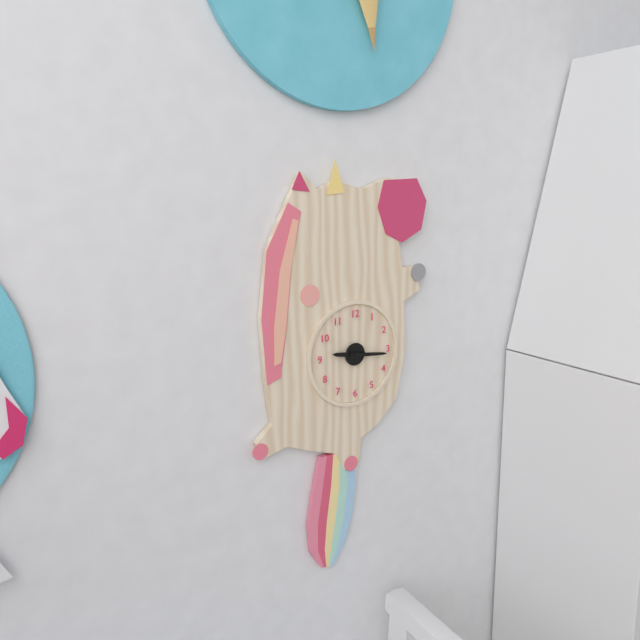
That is h=9 m=16
